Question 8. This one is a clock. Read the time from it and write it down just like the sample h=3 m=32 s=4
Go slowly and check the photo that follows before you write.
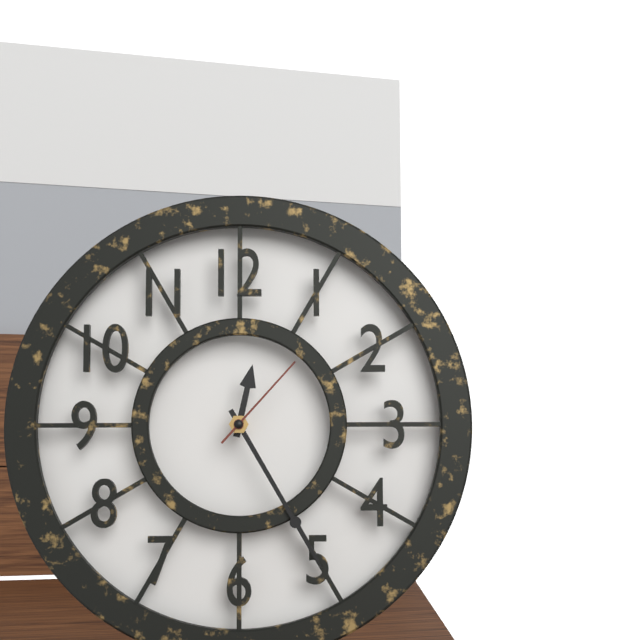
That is h=12 m=25 s=7
